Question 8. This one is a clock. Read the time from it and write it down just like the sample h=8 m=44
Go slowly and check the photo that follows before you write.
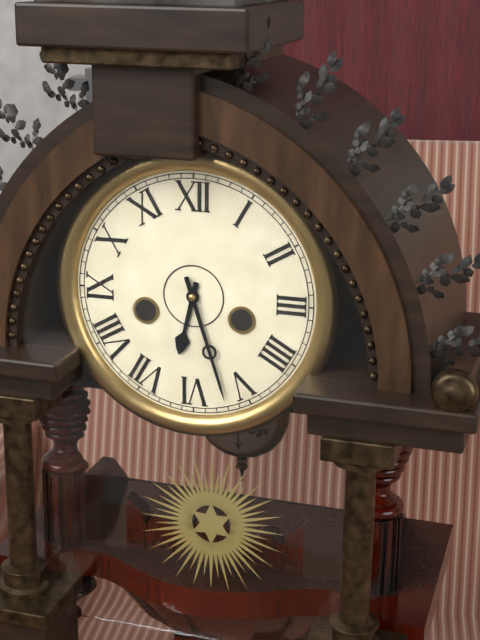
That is h=6 m=27
